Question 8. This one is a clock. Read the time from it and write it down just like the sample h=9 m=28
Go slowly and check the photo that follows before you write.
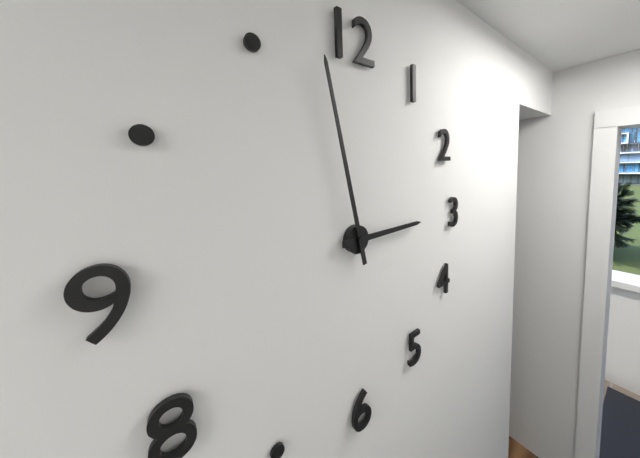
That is h=2 m=58
